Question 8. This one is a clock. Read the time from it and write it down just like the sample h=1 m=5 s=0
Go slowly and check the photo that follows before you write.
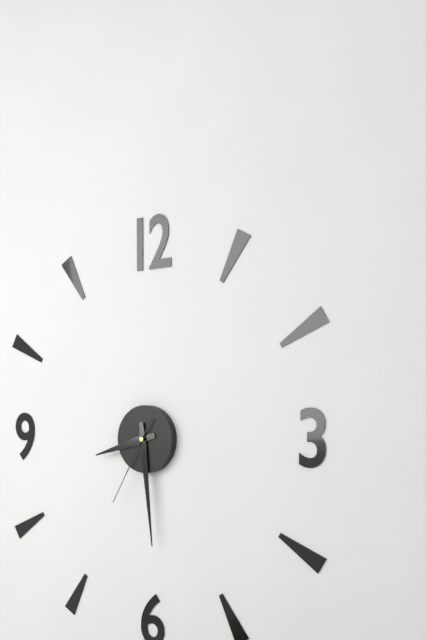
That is h=8 m=29 s=35
